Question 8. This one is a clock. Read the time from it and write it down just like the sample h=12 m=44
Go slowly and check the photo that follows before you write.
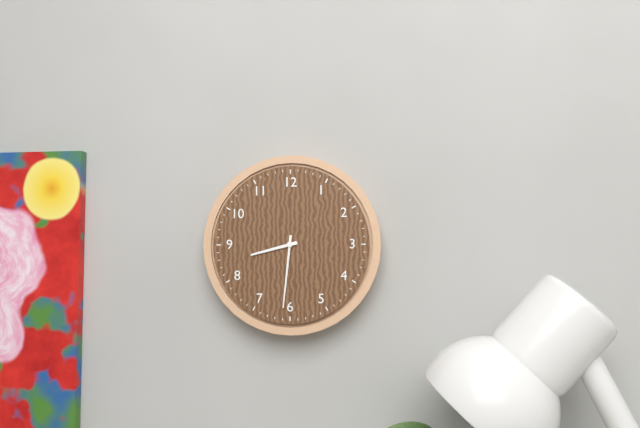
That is h=8 m=31
